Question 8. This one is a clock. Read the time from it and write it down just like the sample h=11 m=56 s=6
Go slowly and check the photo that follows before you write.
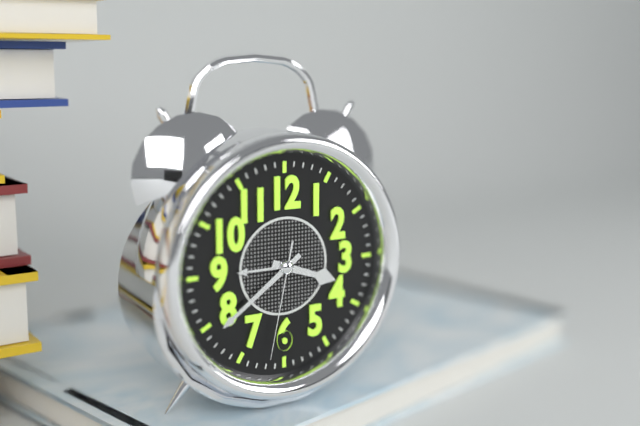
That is h=3 m=39 s=32
